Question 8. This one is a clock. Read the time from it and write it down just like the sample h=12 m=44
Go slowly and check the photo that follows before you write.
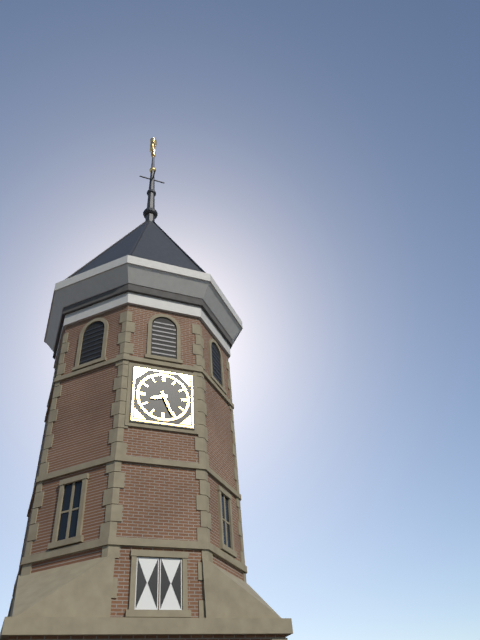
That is h=8 m=26
